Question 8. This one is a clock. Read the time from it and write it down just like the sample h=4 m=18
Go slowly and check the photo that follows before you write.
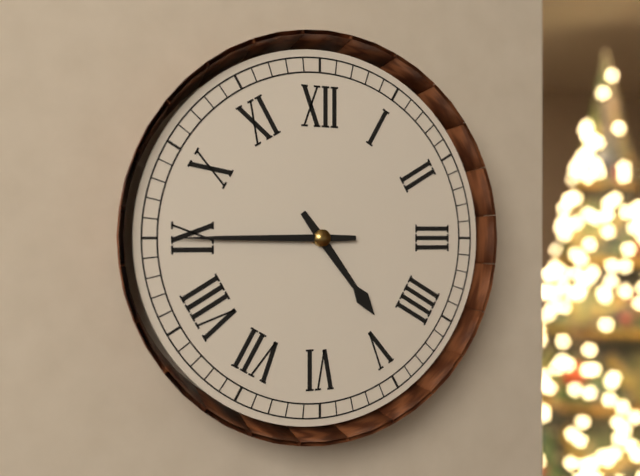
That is h=4 m=45
